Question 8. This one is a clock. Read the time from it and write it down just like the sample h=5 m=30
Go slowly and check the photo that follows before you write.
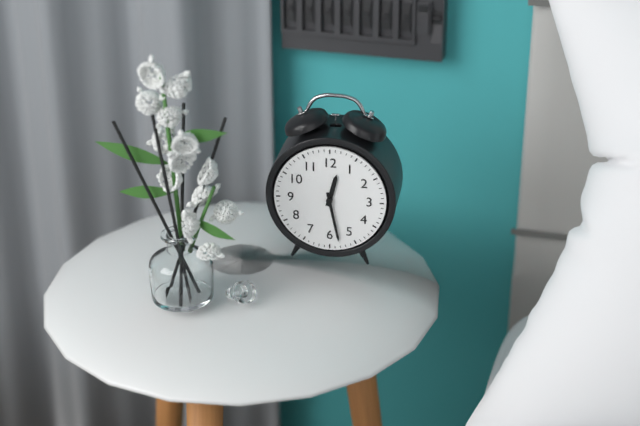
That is h=12 m=28
